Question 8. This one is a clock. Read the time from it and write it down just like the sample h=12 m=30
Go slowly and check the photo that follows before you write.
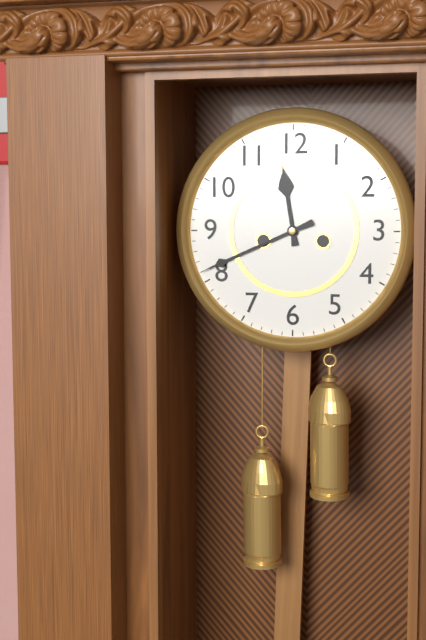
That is h=11 m=41
